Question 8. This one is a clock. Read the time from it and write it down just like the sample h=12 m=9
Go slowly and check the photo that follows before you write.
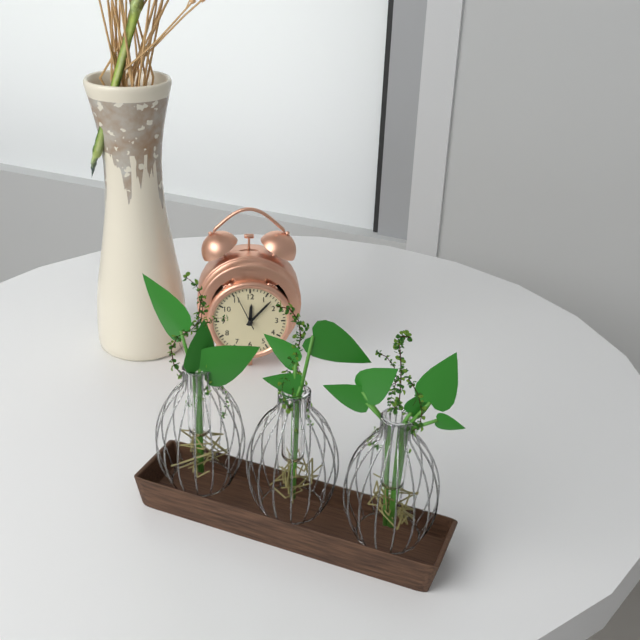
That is h=12 m=7
